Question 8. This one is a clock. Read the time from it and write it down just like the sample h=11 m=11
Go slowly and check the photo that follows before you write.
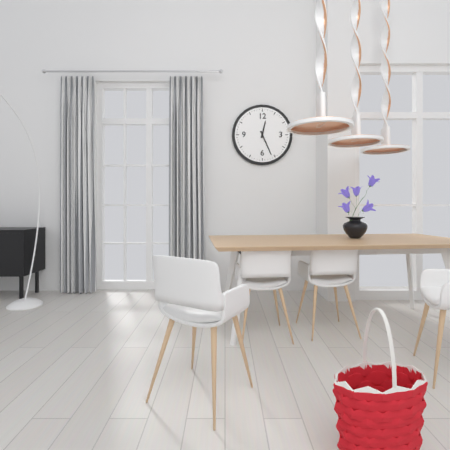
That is h=12 m=26
